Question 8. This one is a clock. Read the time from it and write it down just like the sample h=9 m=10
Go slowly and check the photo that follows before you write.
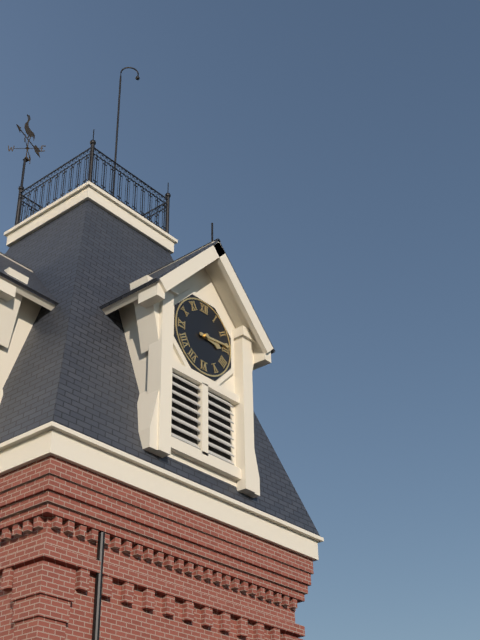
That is h=3 m=14
